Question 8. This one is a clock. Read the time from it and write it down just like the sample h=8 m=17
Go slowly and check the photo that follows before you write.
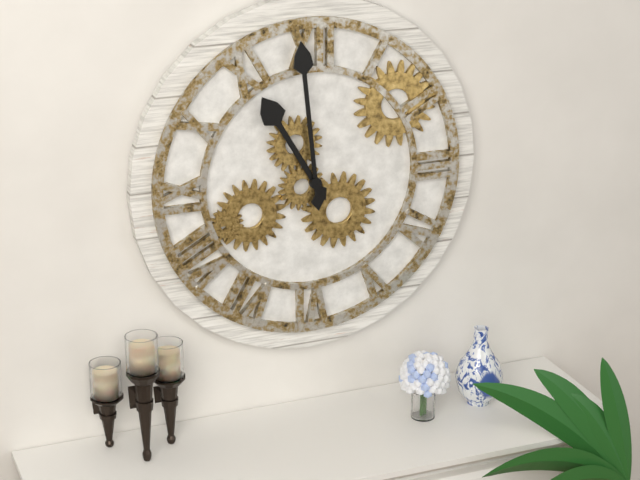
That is h=10 m=59
